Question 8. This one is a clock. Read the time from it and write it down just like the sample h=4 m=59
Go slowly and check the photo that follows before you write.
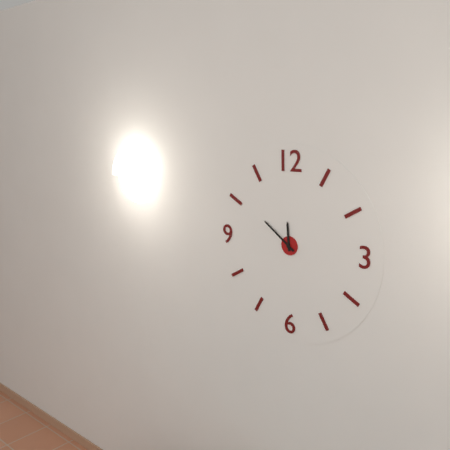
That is h=11 m=51
